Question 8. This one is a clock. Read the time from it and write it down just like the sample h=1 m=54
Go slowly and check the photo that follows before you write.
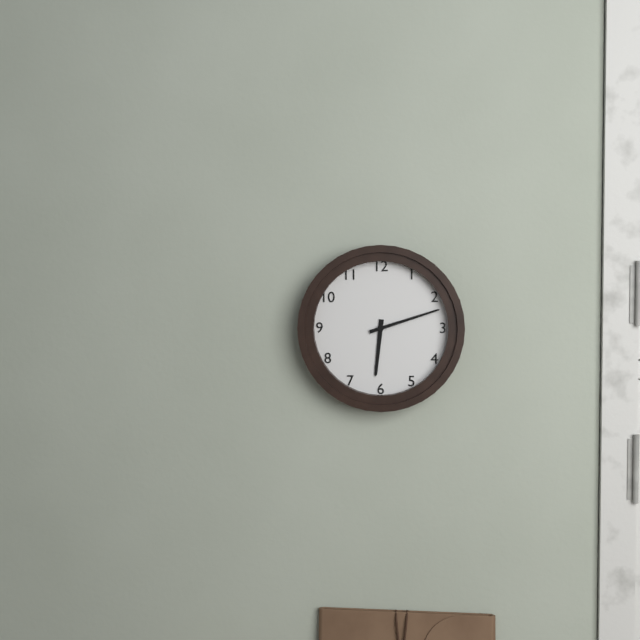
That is h=6 m=12
